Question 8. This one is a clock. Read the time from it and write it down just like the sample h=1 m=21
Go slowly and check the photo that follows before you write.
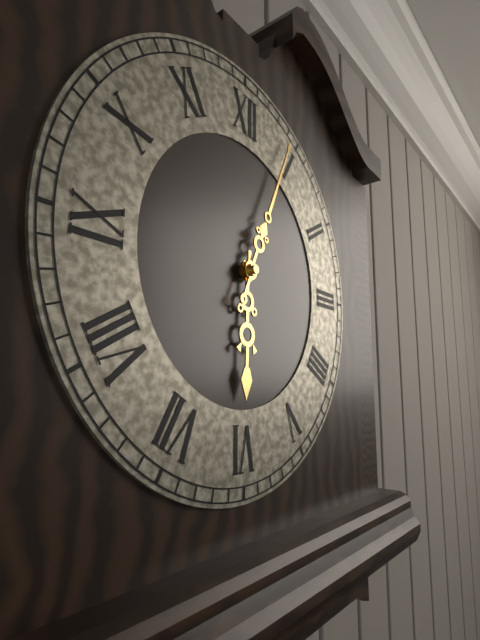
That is h=6 m=4
